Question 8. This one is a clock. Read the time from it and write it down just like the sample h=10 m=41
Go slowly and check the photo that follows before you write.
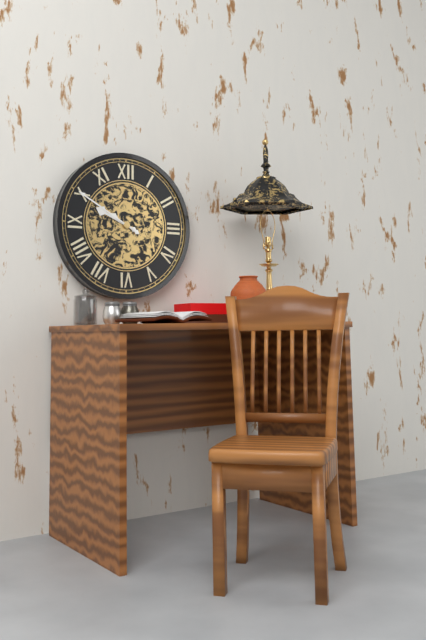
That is h=9 m=50
